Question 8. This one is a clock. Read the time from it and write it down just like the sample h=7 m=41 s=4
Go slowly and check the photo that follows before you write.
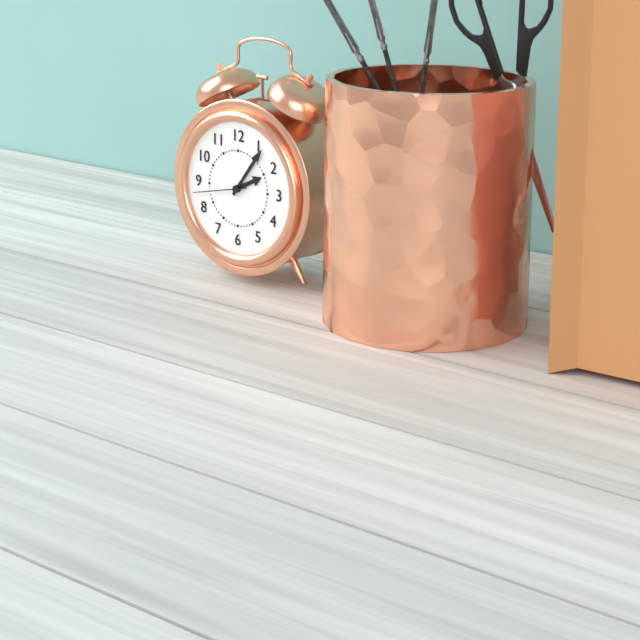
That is h=2 m=6 s=43
